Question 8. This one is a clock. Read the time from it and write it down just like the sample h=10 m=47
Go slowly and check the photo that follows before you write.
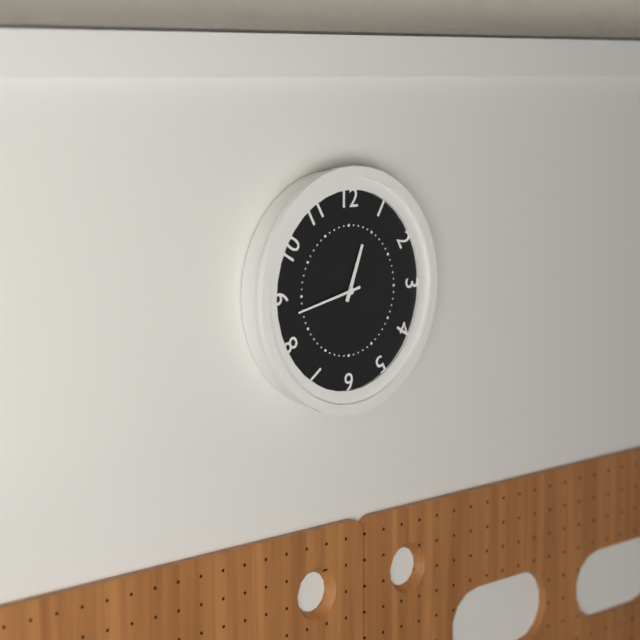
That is h=12 m=43
